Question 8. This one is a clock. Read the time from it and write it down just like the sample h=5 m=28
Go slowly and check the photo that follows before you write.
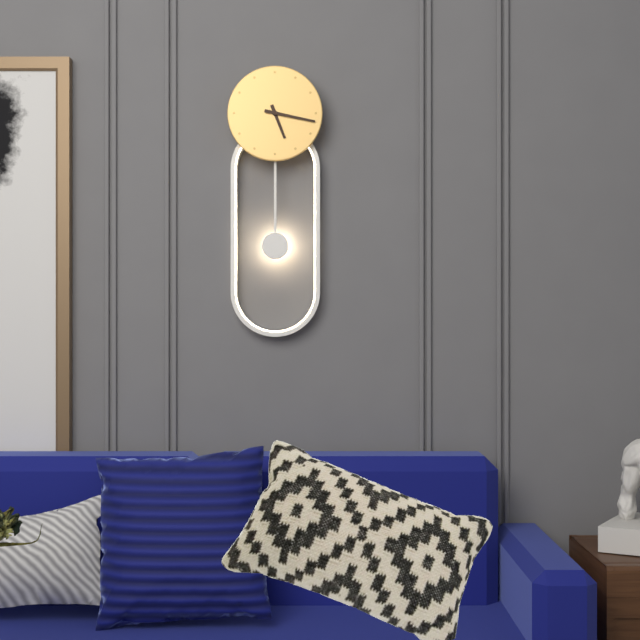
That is h=5 m=17
